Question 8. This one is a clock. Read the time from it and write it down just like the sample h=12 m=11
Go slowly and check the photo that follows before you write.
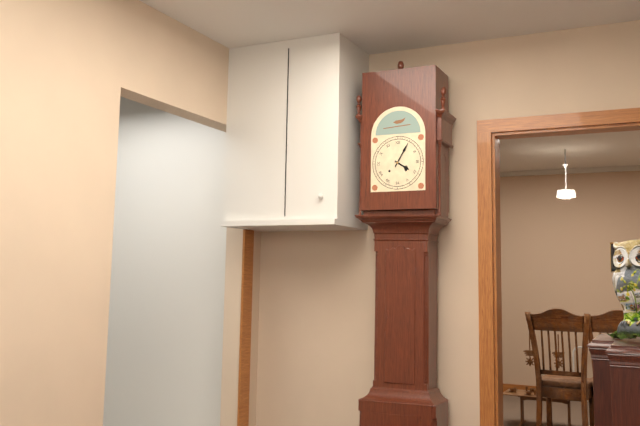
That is h=4 m=5
